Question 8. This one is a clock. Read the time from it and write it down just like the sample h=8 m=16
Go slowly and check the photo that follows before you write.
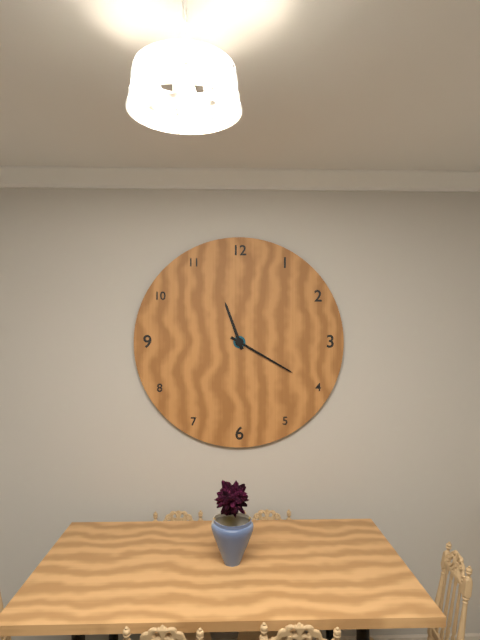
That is h=11 m=20
